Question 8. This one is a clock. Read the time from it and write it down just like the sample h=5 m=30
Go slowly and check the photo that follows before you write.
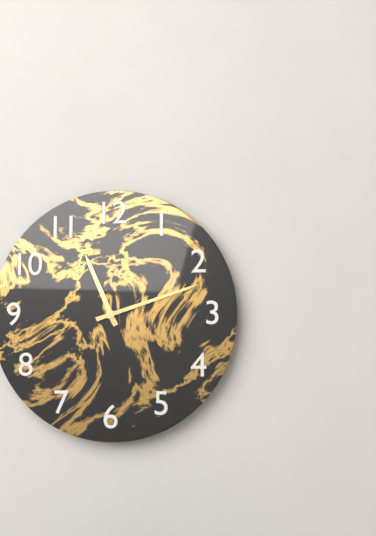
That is h=11 m=12
